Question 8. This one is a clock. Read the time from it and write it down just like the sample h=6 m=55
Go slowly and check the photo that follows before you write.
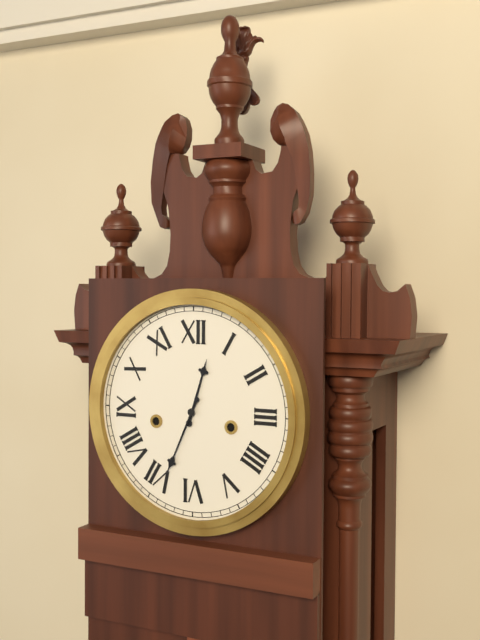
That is h=12 m=34
